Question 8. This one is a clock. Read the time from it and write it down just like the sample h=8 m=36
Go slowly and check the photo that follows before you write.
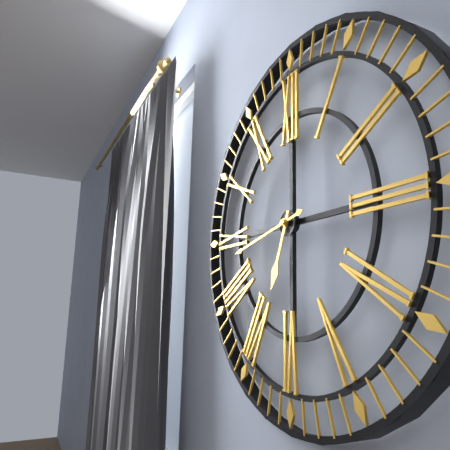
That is h=6 m=43
